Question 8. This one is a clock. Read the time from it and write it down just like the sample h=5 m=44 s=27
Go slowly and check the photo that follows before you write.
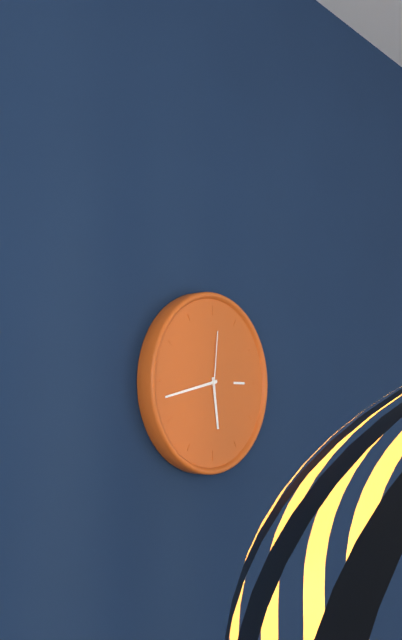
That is h=5 m=43 s=1
